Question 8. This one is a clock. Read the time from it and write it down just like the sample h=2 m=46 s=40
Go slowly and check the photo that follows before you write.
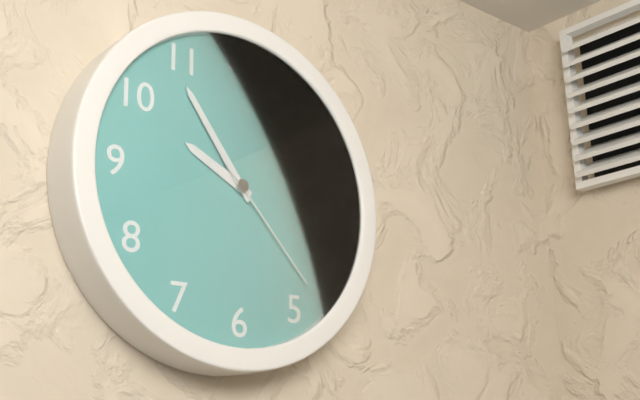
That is h=9 m=54 s=23
